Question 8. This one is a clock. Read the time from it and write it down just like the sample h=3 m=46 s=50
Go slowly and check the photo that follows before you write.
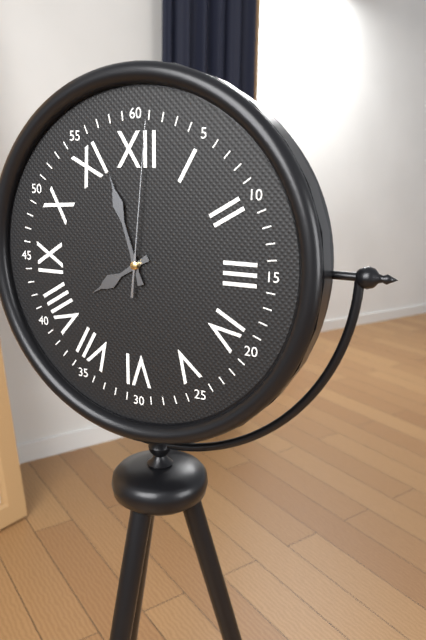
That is h=7 m=57 s=1
